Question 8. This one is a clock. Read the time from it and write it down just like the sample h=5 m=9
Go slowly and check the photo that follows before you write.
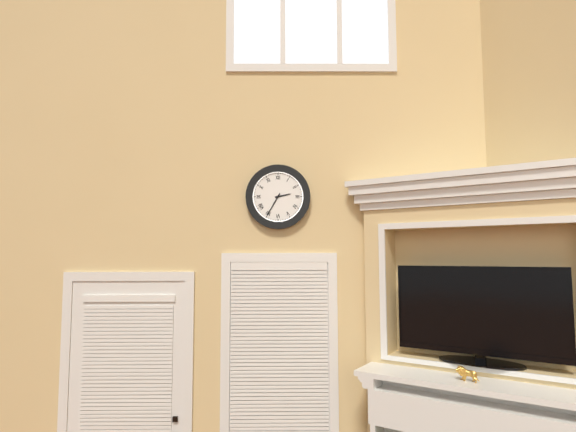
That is h=2 m=35
